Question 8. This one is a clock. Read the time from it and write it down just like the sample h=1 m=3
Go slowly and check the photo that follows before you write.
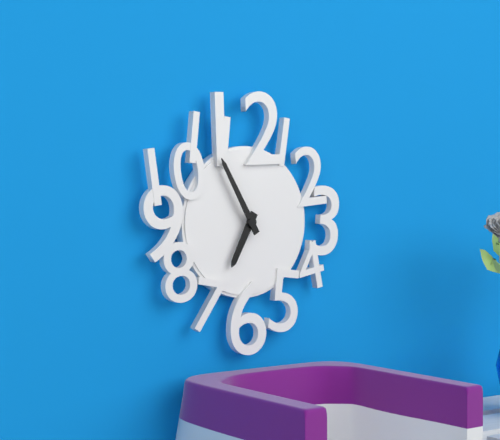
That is h=6 m=55
